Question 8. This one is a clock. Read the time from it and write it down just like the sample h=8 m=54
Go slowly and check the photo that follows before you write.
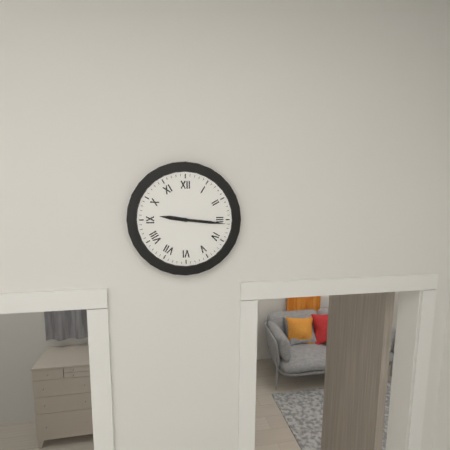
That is h=9 m=16
